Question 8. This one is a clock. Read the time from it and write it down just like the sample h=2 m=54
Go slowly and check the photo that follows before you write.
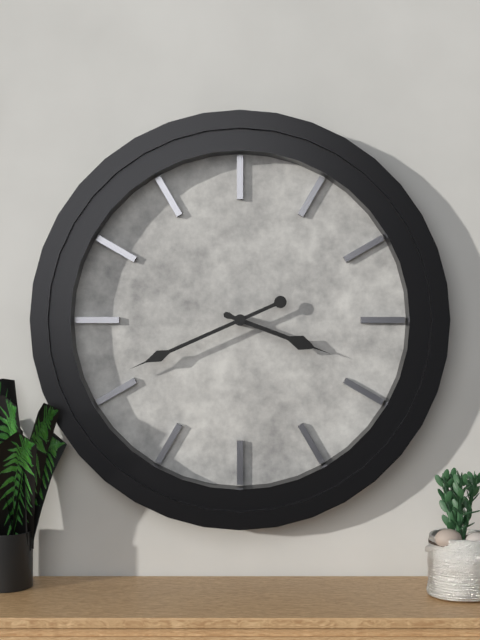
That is h=3 m=41
